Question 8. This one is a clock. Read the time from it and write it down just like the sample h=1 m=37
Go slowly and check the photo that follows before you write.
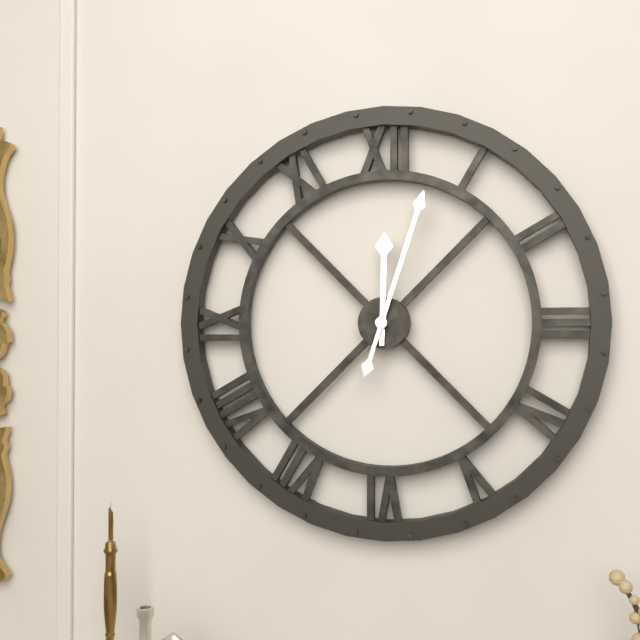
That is h=12 m=3
